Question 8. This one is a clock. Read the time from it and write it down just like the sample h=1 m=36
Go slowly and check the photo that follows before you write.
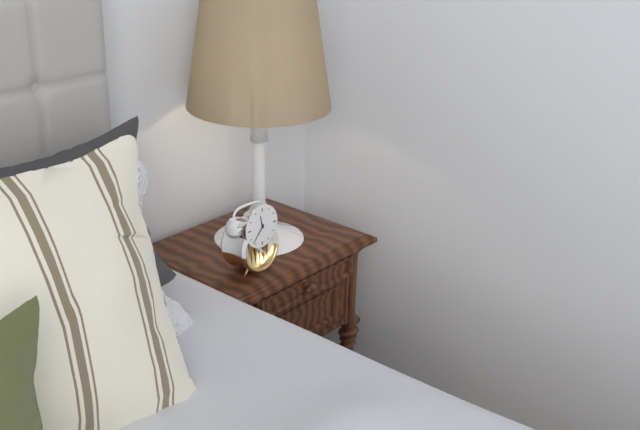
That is h=11 m=37
